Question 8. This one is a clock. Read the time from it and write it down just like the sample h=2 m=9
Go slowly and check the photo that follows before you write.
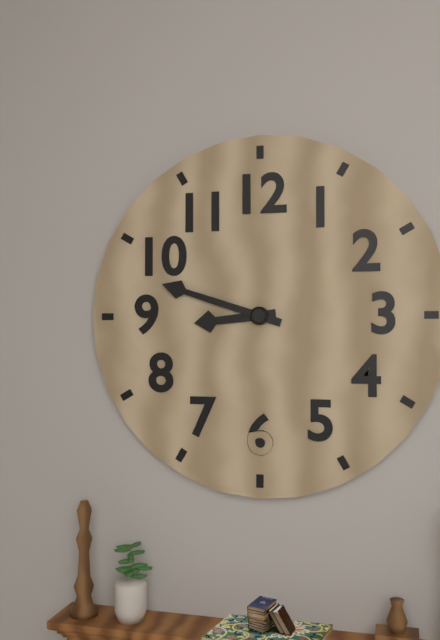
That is h=8 m=48
